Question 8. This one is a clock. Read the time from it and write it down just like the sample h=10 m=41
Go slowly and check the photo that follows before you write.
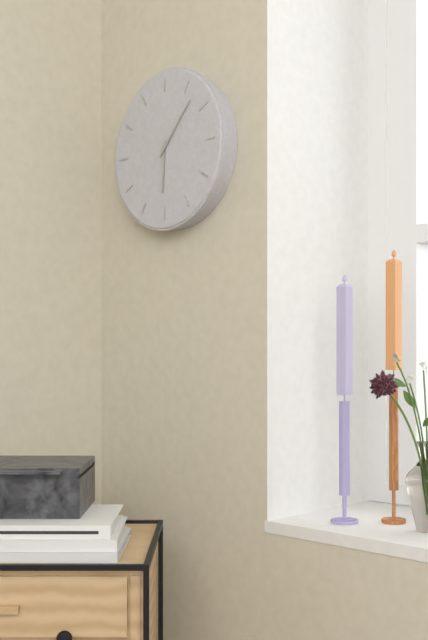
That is h=6 m=7
